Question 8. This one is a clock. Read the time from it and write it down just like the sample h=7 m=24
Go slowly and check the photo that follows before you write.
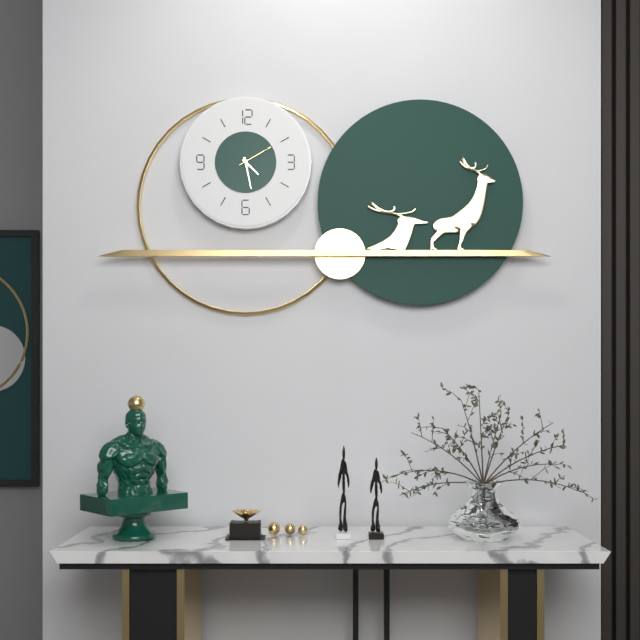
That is h=4 m=28
